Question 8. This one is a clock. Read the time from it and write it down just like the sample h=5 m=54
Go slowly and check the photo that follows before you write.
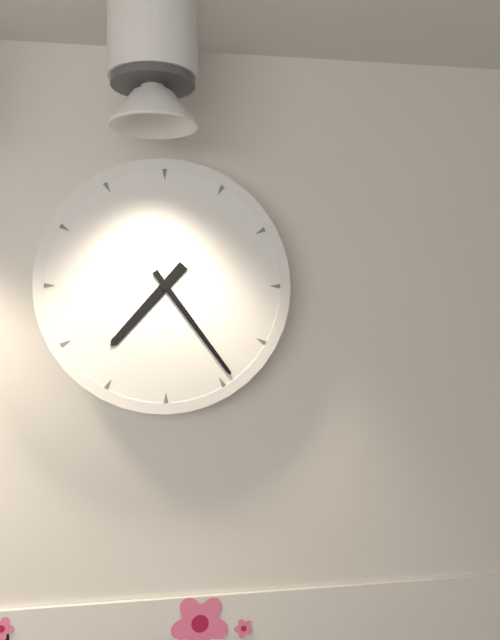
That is h=7 m=24
